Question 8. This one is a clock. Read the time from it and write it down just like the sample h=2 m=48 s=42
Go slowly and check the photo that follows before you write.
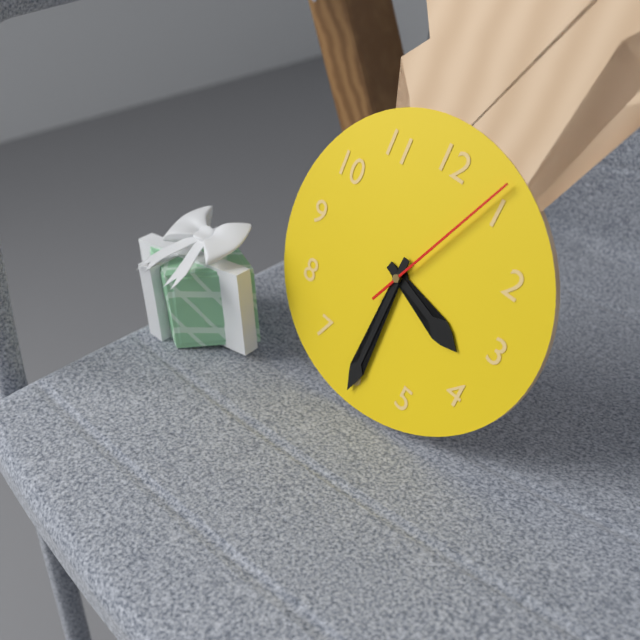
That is h=3 m=30 s=4
